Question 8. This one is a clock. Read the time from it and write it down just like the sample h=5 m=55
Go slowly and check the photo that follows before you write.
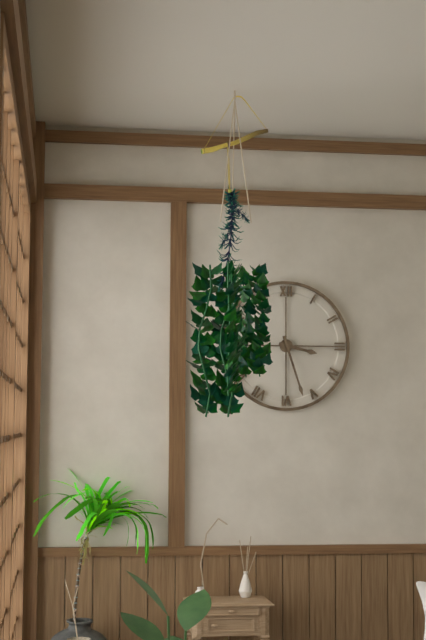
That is h=3 m=27
